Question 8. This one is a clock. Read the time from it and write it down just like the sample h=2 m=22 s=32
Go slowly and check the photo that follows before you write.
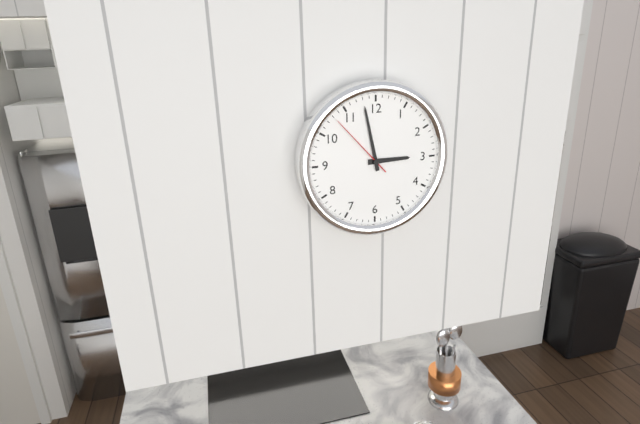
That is h=2 m=58 s=53
